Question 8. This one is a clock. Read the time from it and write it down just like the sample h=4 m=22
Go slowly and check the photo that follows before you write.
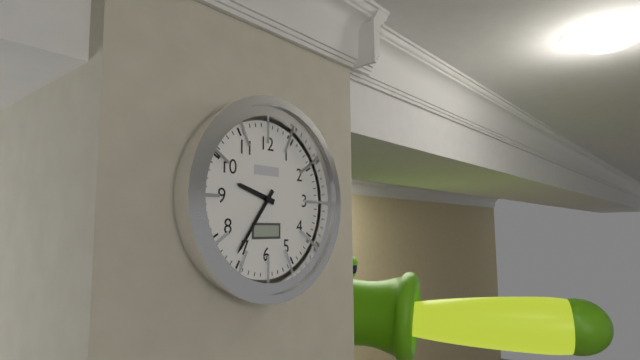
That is h=9 m=36
